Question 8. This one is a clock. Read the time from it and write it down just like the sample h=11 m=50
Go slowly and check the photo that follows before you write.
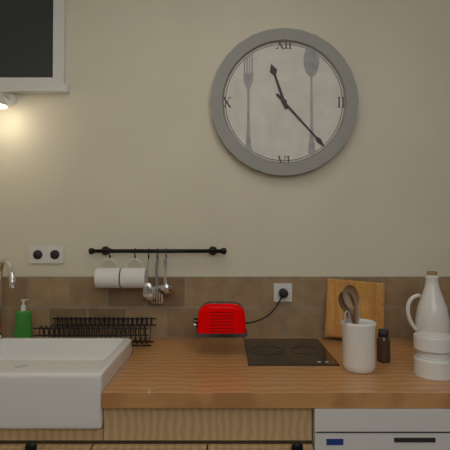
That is h=11 m=23
